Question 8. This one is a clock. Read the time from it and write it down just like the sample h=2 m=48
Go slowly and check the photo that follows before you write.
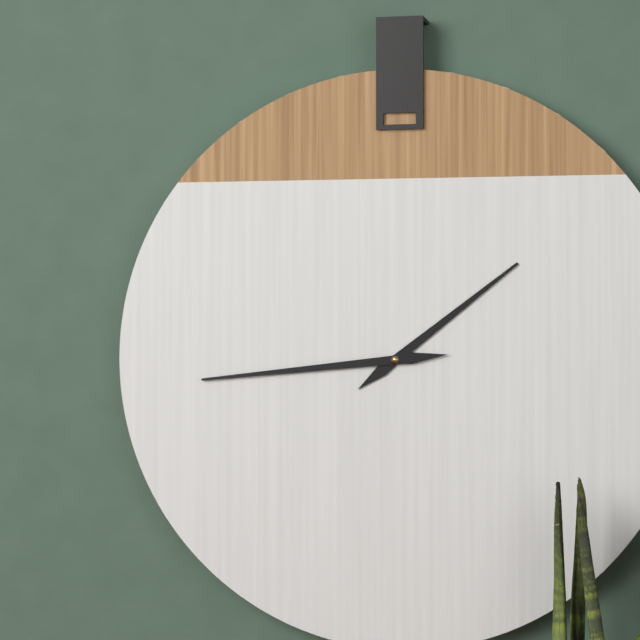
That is h=1 m=44
